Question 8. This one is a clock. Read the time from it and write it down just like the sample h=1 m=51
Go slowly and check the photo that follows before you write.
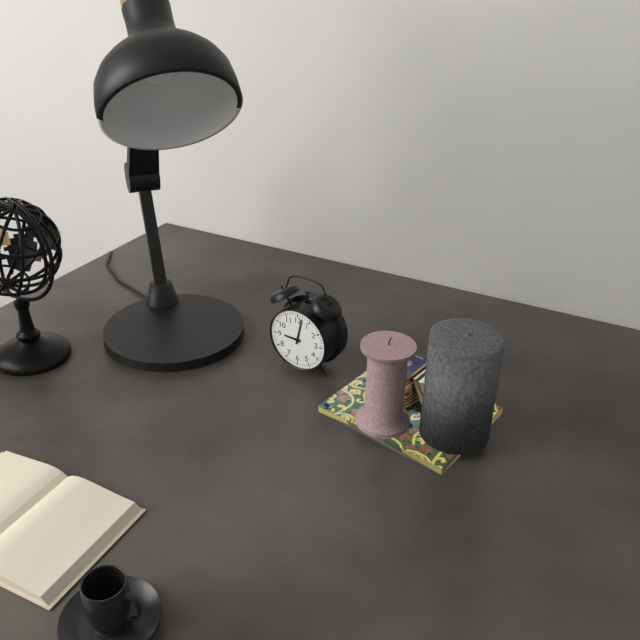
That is h=9 m=2
